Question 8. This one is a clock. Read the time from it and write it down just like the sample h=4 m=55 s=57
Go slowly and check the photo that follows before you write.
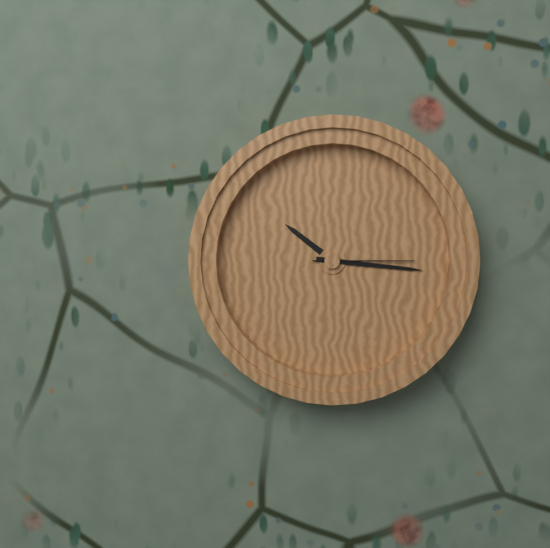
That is h=10 m=16 s=15
